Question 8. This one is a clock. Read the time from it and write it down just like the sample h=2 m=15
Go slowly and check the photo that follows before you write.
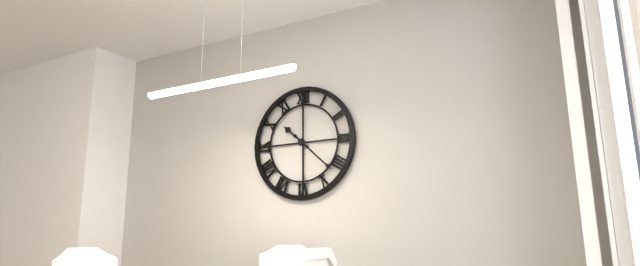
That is h=10 m=22
